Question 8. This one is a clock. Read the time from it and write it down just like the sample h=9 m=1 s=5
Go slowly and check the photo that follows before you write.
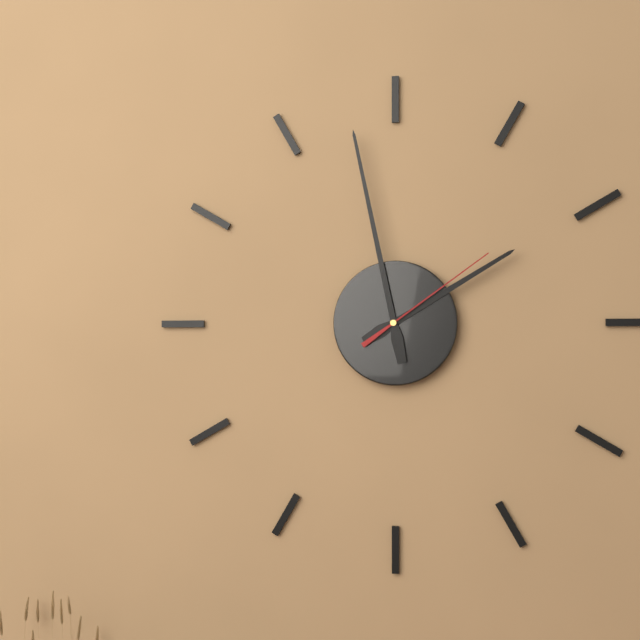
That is h=1 m=58 s=9
